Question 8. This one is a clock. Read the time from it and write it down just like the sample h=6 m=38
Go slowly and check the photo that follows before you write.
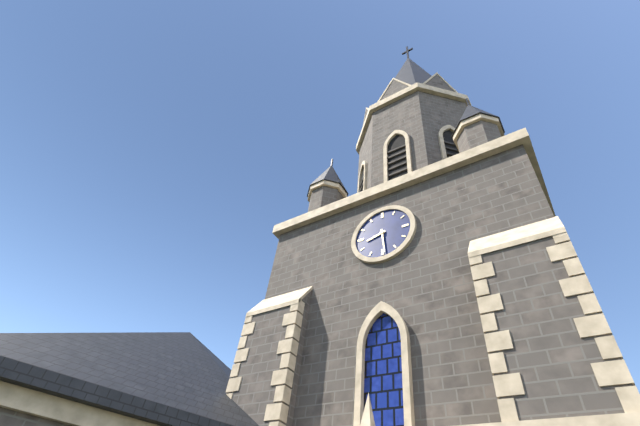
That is h=8 m=29
